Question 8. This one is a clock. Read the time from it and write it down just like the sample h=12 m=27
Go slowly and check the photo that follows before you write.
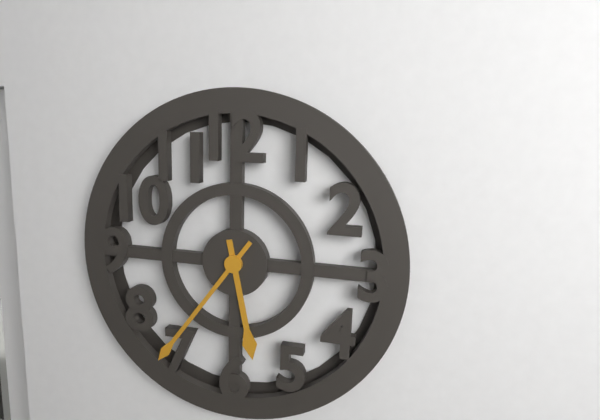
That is h=5 m=36
